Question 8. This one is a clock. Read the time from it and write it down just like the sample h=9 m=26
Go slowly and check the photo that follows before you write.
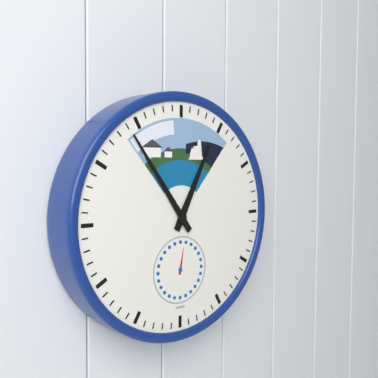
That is h=12 m=54
